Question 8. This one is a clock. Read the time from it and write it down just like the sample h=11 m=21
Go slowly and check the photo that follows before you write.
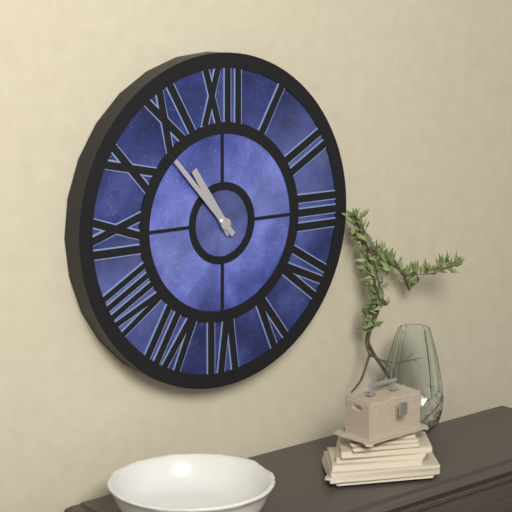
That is h=10 m=53
